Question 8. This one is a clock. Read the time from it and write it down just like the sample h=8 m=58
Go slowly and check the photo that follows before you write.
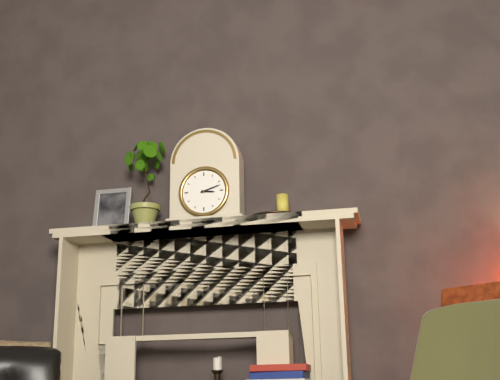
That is h=3 m=12
